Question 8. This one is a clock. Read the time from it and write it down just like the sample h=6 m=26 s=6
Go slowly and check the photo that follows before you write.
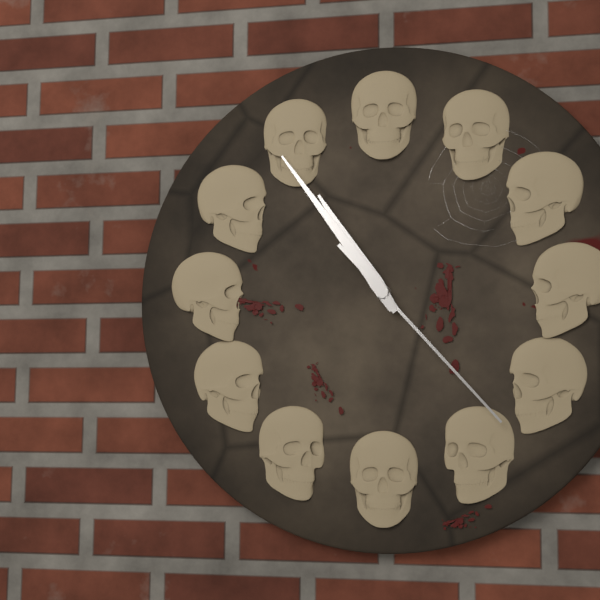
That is h=10 m=54 s=23
